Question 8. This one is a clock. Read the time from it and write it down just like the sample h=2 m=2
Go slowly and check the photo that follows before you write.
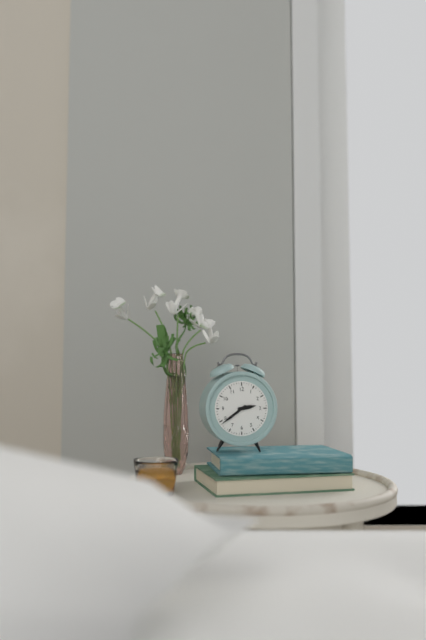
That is h=2 m=39
